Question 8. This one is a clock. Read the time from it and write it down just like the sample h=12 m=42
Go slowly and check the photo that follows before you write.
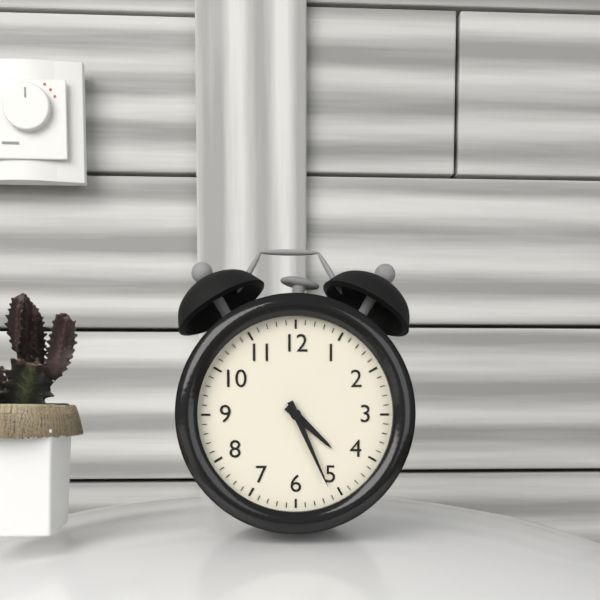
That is h=4 m=26
